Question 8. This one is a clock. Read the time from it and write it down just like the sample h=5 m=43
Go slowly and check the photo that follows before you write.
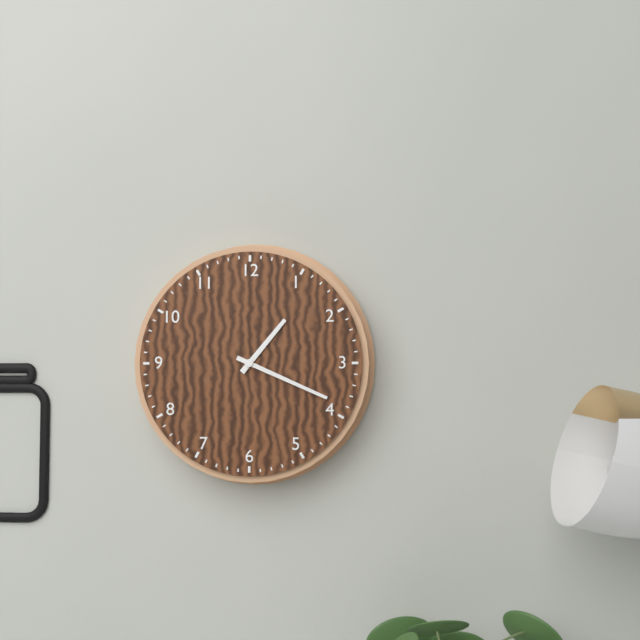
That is h=1 m=19
